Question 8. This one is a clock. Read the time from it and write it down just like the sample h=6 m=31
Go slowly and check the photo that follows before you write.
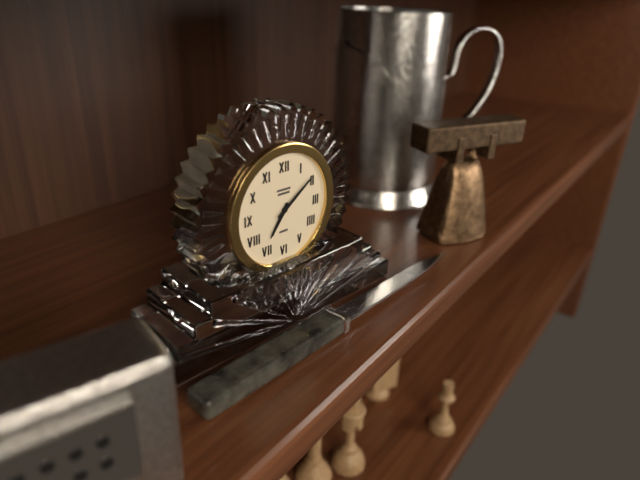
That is h=7 m=9
